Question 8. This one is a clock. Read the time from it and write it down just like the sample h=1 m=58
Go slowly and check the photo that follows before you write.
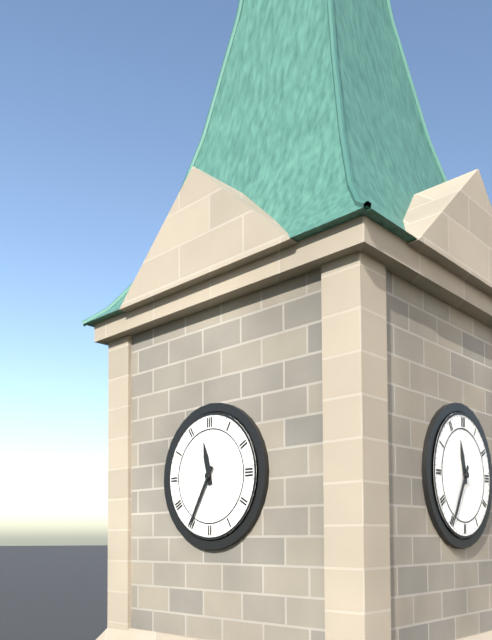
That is h=11 m=35
